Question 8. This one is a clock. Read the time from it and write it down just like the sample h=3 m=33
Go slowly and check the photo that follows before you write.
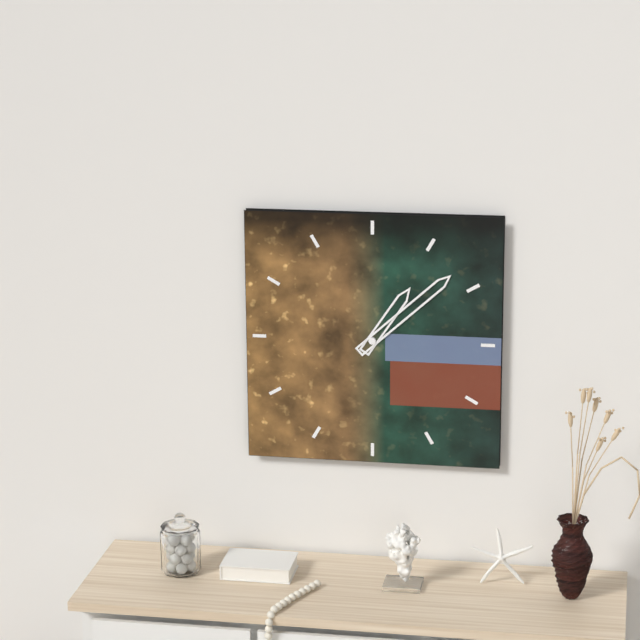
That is h=1 m=8
